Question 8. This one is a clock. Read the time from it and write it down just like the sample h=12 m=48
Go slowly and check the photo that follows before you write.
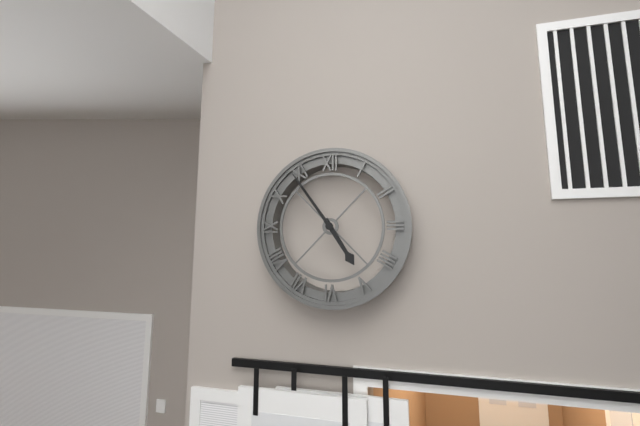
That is h=4 m=54
